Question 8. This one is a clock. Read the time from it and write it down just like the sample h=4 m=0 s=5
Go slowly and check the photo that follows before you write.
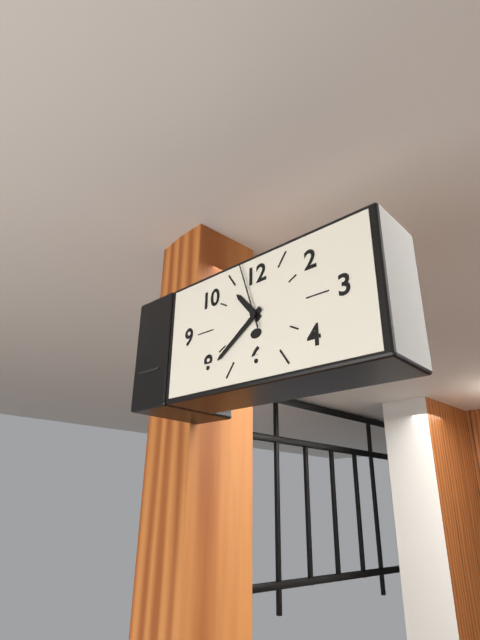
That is h=10 m=39 s=57
